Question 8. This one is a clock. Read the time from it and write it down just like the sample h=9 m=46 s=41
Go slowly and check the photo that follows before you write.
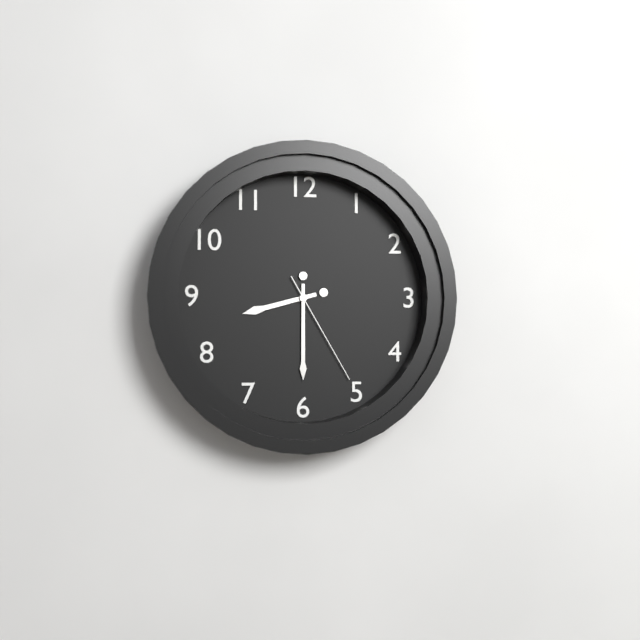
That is h=8 m=30 s=25
